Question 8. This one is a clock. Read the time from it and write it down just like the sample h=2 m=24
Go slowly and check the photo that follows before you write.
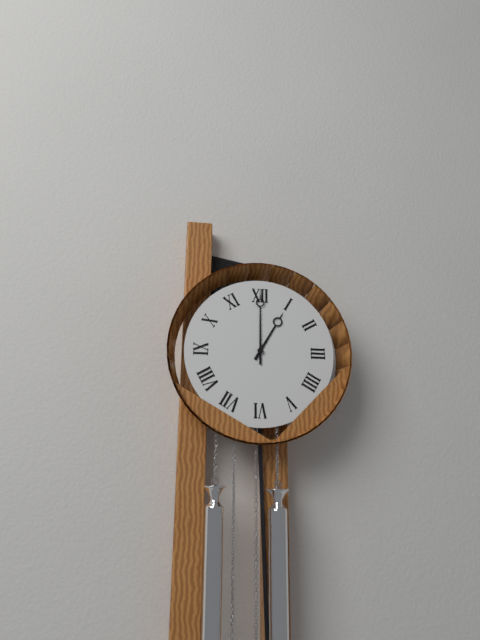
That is h=1 m=0
